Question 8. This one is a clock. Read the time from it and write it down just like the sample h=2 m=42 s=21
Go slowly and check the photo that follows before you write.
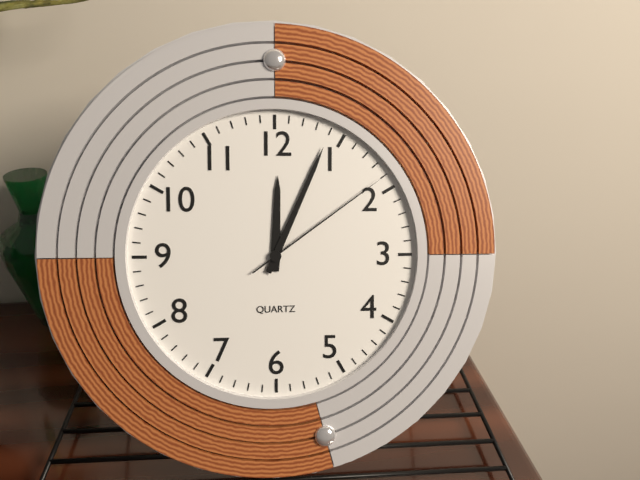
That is h=12 m=4 s=9
